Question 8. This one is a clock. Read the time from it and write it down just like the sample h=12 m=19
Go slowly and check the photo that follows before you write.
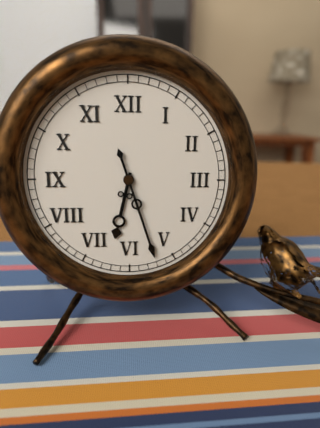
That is h=6 m=27
